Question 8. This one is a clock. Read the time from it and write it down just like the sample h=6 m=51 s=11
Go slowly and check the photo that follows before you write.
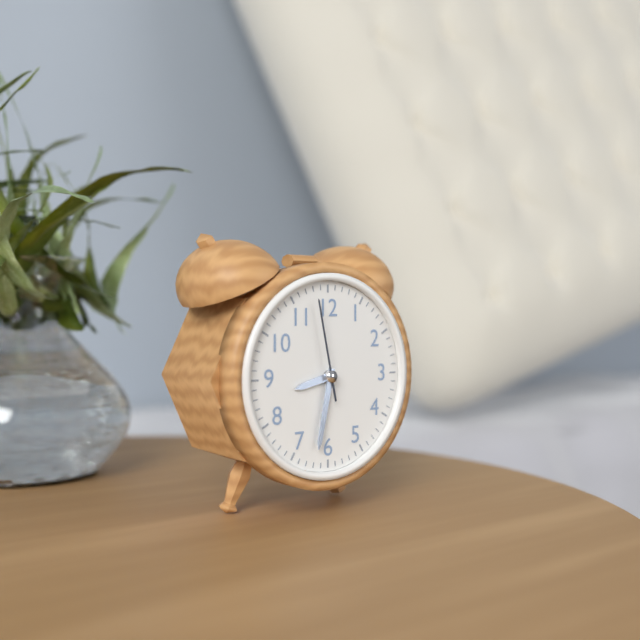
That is h=8 m=32 s=58
